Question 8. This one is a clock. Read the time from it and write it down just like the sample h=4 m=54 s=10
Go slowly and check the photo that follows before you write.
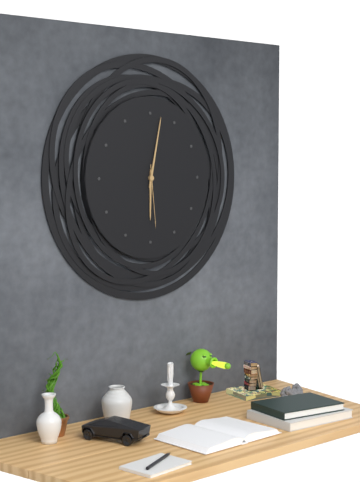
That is h=6 m=2 s=29
